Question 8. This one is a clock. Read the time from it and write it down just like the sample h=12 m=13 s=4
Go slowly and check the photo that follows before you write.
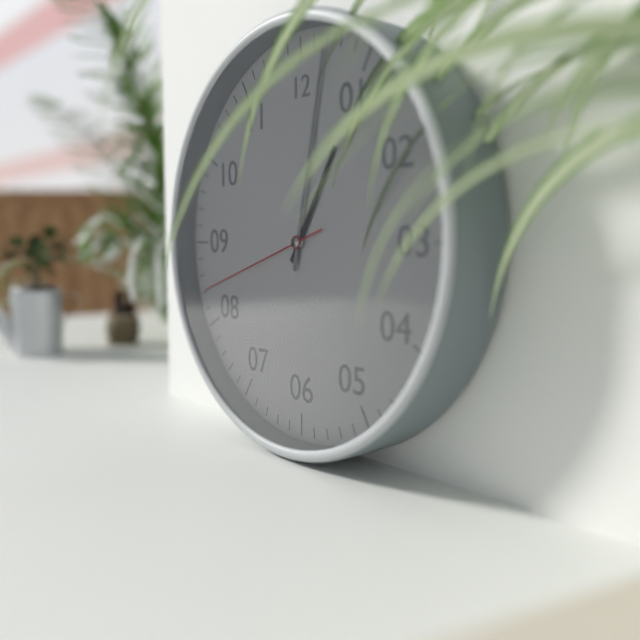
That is h=1 m=2 s=42
